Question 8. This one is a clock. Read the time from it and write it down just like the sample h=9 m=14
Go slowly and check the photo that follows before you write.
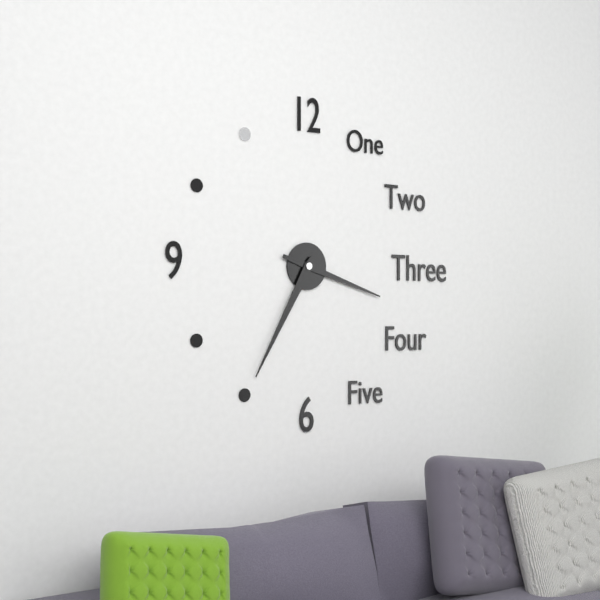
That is h=3 m=35
